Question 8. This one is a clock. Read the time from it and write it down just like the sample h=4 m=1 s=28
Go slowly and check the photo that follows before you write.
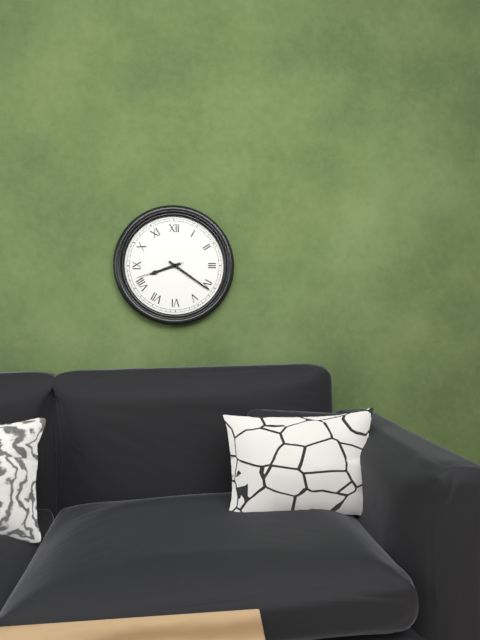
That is h=8 m=21 s=42
